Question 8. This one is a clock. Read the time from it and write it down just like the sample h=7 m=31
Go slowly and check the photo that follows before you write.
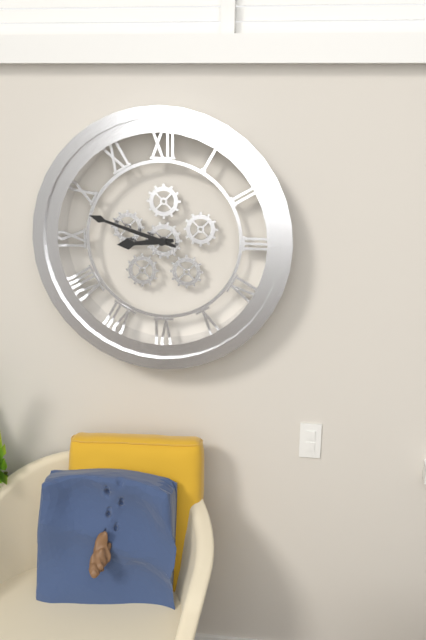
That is h=8 m=48
